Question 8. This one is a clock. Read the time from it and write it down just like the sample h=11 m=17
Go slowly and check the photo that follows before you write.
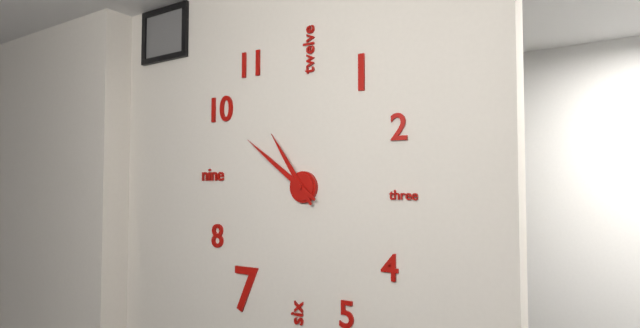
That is h=10 m=51
